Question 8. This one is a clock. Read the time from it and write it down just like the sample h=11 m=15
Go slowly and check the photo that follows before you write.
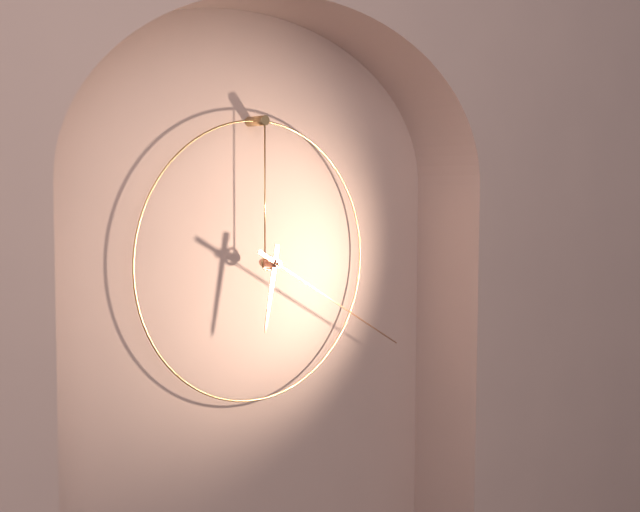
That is h=6 m=20
